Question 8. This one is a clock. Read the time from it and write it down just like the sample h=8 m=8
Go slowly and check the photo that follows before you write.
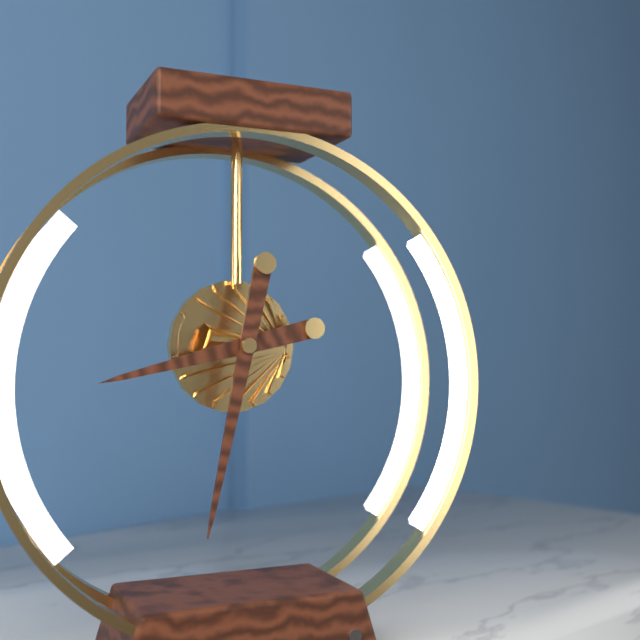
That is h=8 m=32
